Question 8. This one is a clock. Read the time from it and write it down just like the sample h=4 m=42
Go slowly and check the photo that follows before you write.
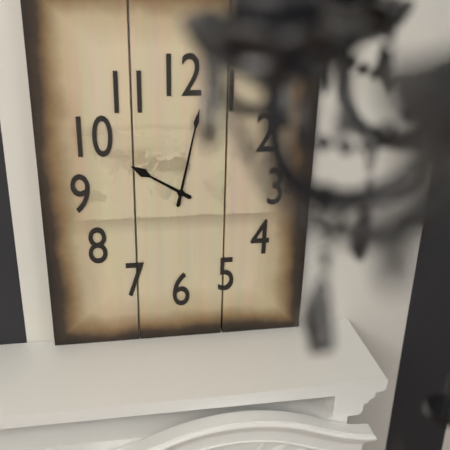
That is h=10 m=2
